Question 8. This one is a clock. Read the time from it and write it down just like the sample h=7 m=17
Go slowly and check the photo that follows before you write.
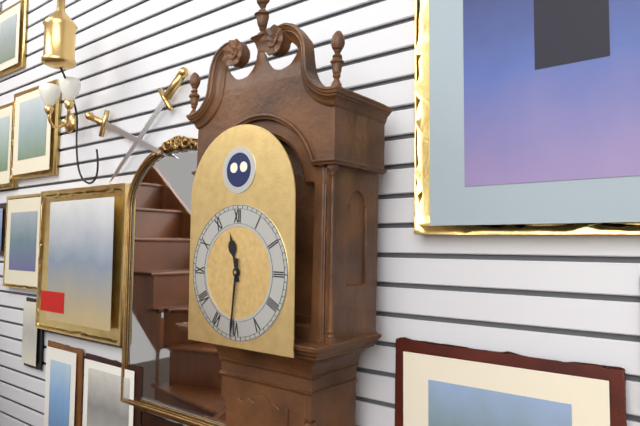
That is h=11 m=31
